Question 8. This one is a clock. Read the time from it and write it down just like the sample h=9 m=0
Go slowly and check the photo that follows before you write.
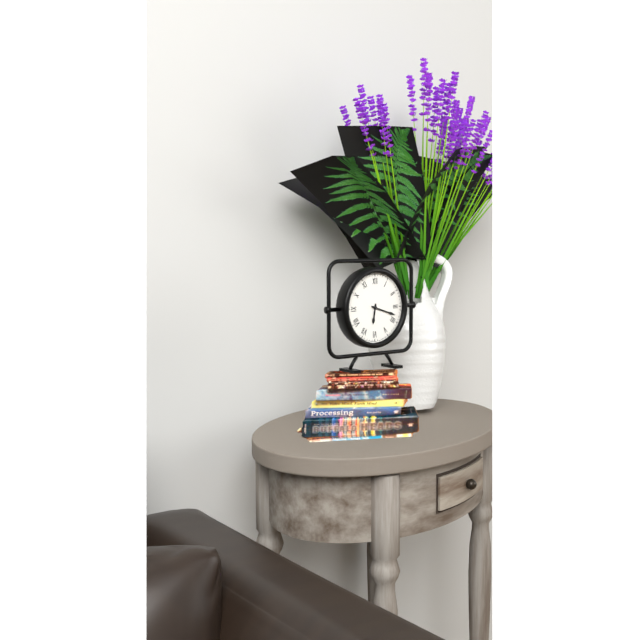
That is h=6 m=18
